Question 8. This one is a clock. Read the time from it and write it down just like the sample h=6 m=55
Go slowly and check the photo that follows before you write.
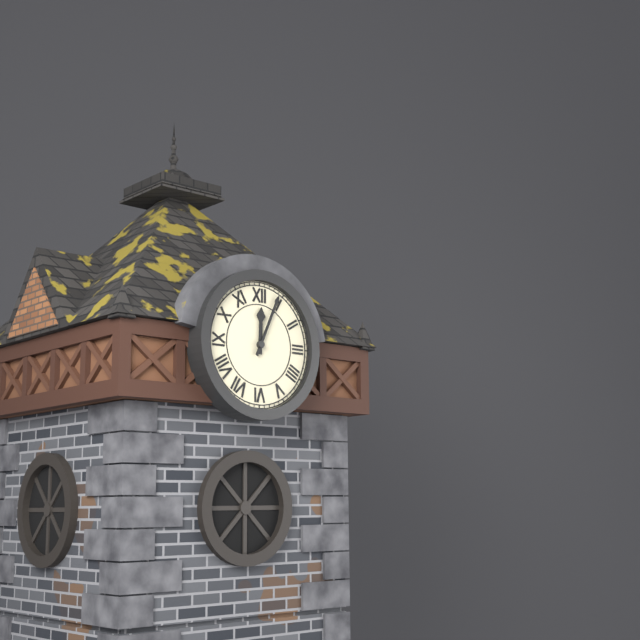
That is h=12 m=4
